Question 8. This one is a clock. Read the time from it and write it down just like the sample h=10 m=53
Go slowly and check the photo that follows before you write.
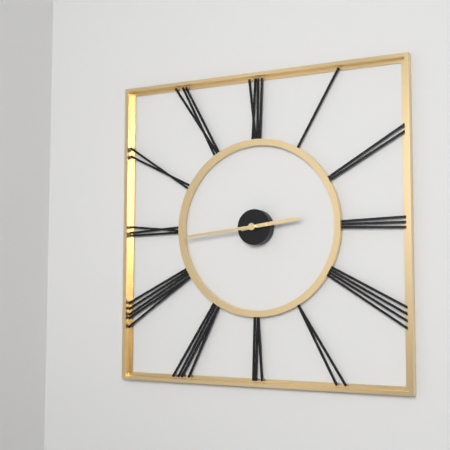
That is h=2 m=44
